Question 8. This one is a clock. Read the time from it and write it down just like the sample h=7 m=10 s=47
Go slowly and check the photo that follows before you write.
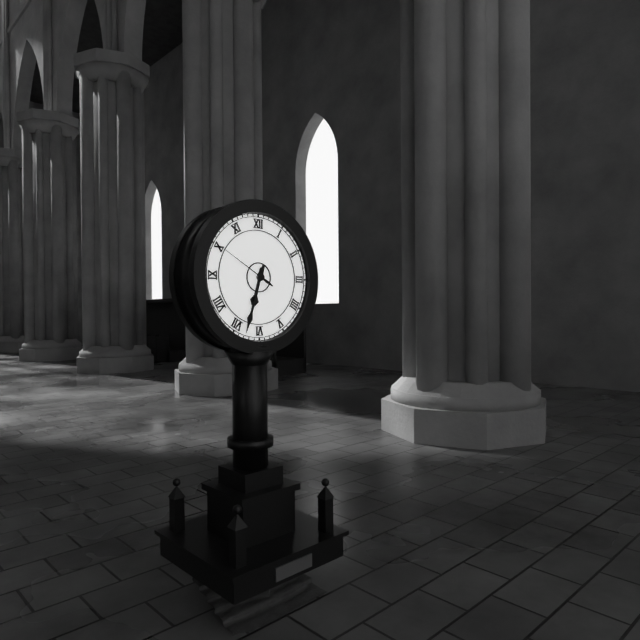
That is h=6 m=33 s=50
